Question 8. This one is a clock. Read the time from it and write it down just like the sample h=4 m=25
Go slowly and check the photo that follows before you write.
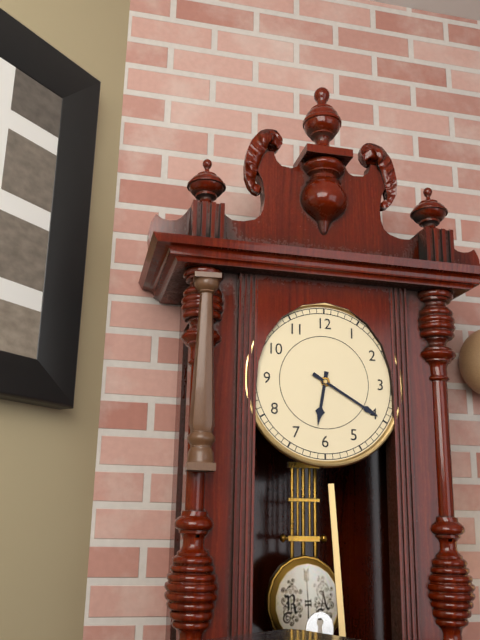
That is h=6 m=20
